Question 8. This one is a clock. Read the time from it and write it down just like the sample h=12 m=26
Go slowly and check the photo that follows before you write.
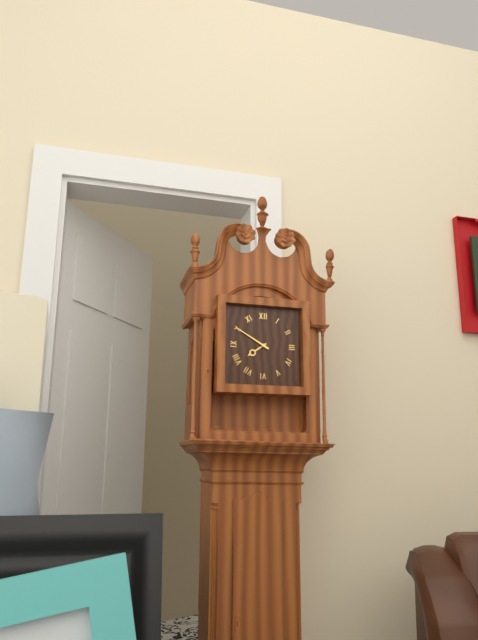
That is h=7 m=50
